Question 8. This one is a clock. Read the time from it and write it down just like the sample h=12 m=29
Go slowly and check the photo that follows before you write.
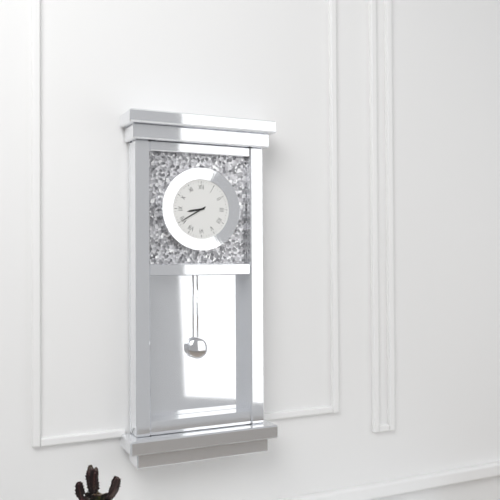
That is h=8 m=40
